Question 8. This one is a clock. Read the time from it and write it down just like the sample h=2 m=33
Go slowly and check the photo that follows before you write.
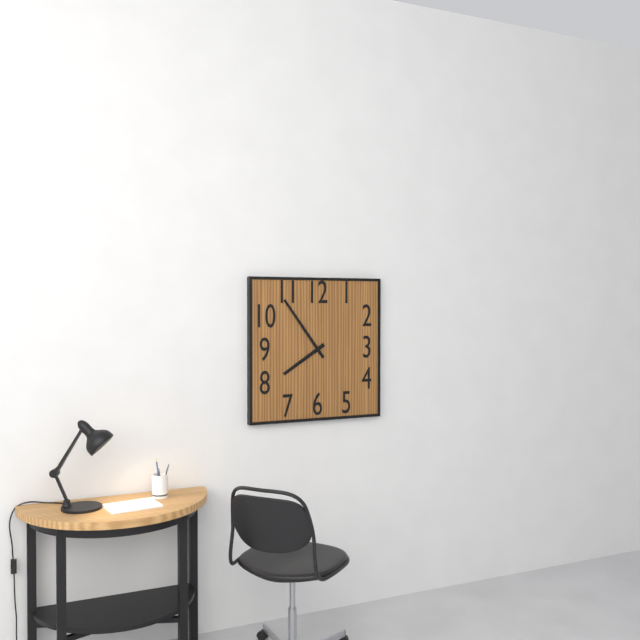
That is h=7 m=54
